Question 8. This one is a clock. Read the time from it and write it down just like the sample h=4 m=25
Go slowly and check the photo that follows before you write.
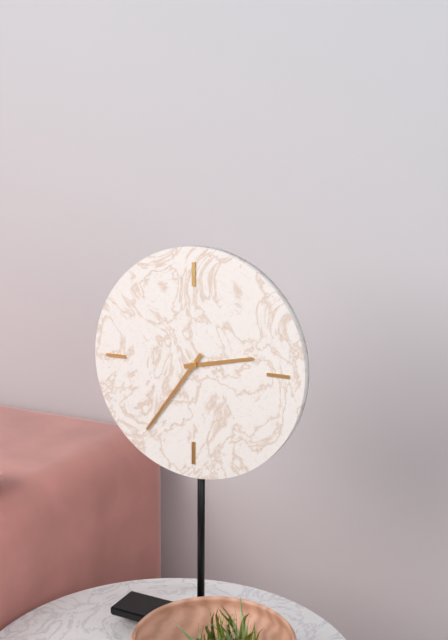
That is h=2 m=36
